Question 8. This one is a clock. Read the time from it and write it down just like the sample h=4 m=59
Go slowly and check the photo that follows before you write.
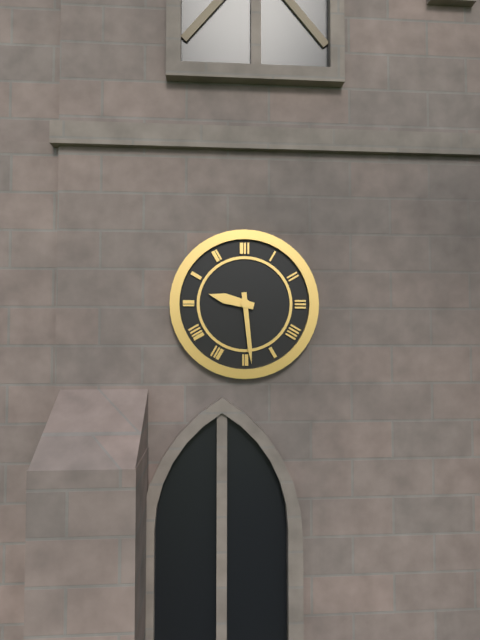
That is h=9 m=29
